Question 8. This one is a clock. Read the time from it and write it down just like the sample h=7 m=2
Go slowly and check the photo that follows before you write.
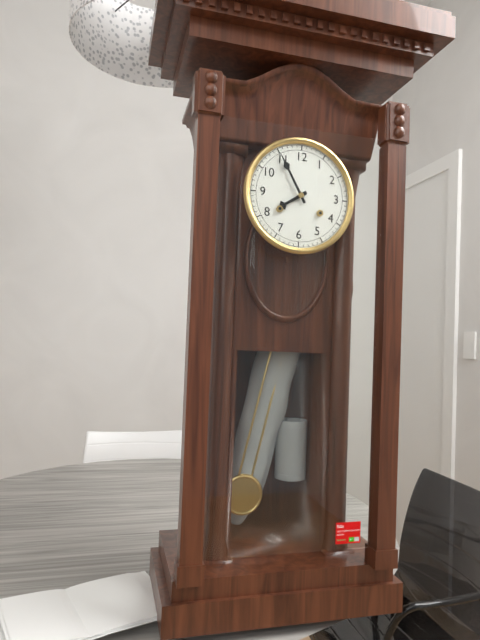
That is h=7 m=55
